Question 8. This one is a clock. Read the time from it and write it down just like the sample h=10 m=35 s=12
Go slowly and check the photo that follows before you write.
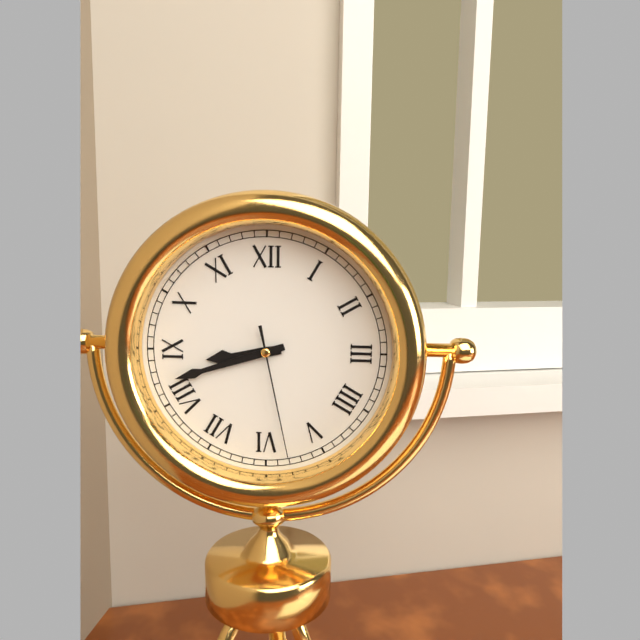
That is h=8 m=42 s=28
